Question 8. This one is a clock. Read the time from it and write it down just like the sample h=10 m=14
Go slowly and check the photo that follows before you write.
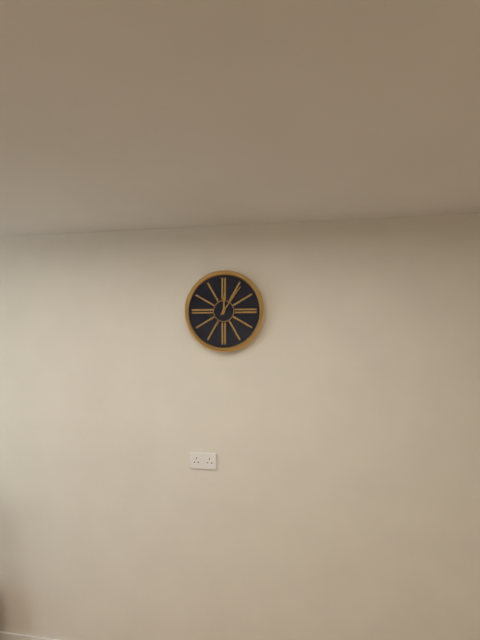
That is h=12 m=6
